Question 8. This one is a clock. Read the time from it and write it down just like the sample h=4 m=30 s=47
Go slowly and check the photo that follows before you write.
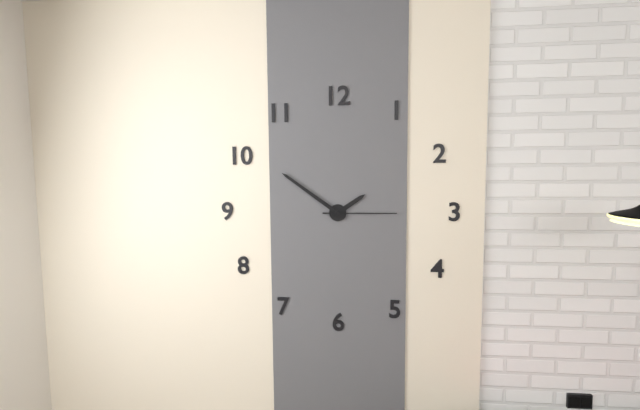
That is h=1 m=51 s=15
